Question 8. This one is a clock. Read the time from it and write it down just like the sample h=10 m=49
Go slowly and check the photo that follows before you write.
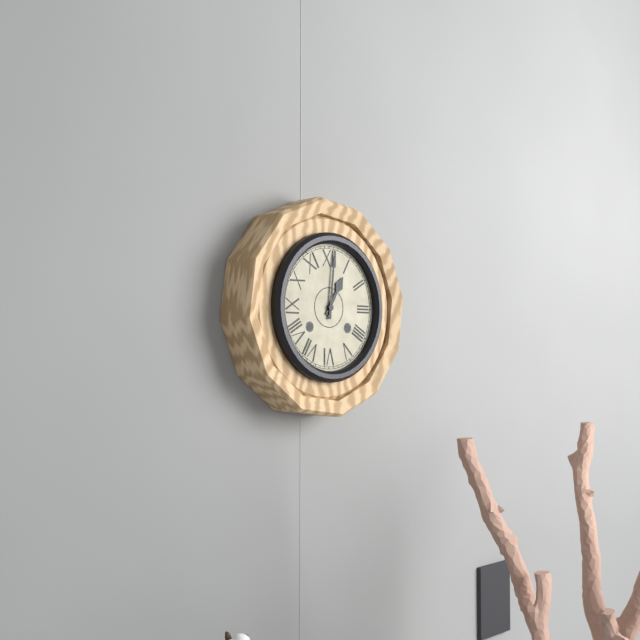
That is h=1 m=1
